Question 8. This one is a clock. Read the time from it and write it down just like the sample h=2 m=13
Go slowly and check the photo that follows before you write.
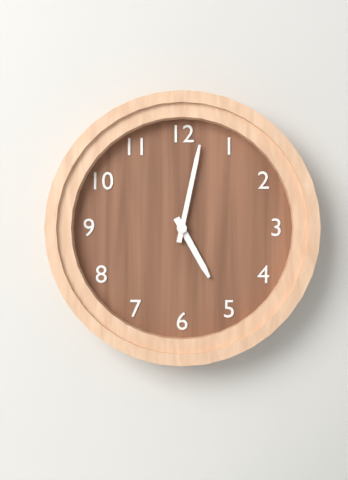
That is h=5 m=2
